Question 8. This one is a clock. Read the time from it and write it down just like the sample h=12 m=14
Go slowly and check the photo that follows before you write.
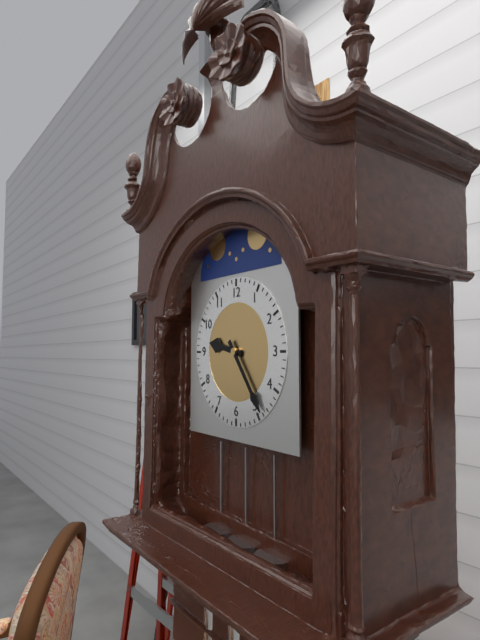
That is h=9 m=24
